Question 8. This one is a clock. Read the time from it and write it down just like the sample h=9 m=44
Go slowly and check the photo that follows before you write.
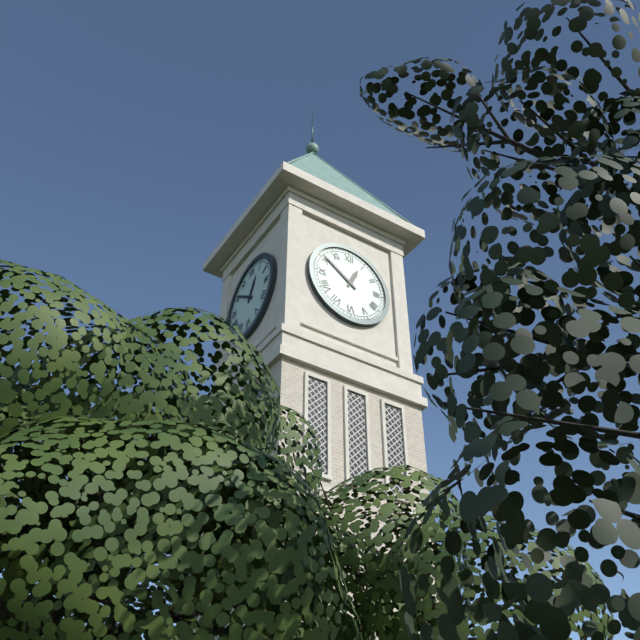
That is h=12 m=51
